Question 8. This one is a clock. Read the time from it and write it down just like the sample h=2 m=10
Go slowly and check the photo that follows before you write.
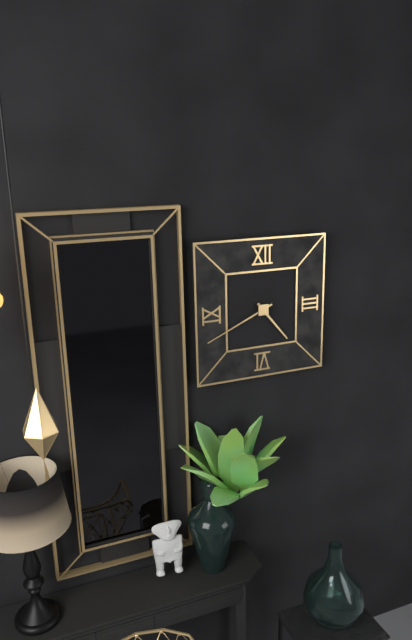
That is h=4 m=41
